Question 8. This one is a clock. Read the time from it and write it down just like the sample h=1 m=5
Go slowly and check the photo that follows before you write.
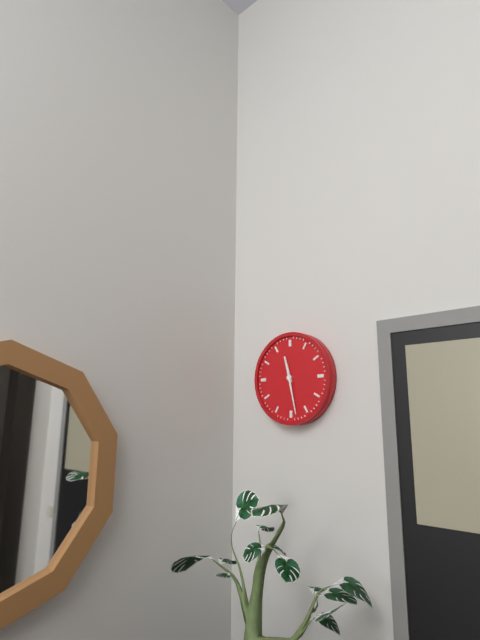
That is h=11 m=28
